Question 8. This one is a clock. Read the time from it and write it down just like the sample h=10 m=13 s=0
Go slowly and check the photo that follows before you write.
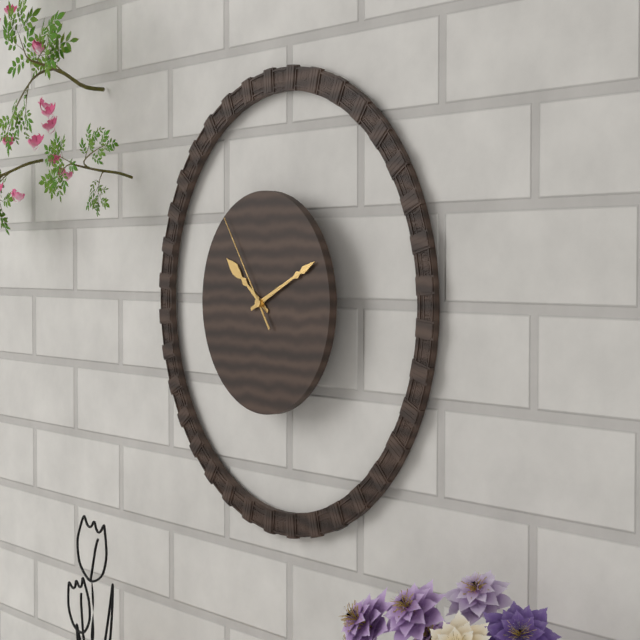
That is h=10 m=11 s=54
